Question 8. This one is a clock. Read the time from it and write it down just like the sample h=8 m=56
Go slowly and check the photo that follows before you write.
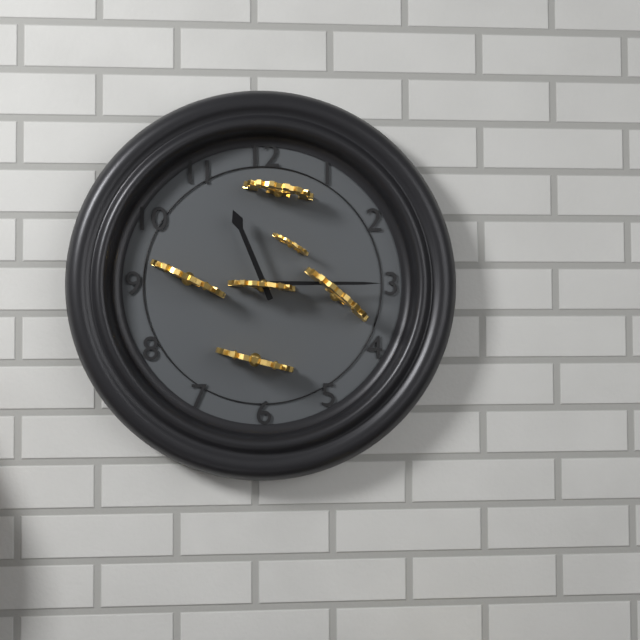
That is h=11 m=15
